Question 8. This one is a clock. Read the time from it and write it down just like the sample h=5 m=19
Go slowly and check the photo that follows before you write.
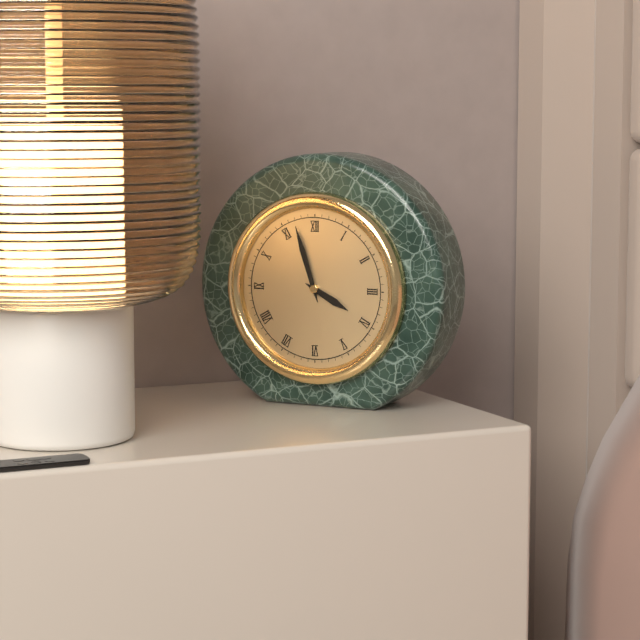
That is h=3 m=57
